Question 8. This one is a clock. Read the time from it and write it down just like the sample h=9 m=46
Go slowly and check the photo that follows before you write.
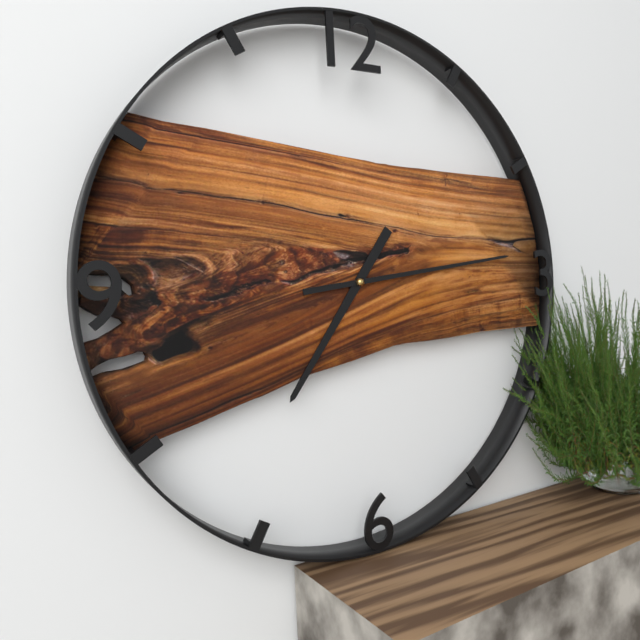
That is h=7 m=14
